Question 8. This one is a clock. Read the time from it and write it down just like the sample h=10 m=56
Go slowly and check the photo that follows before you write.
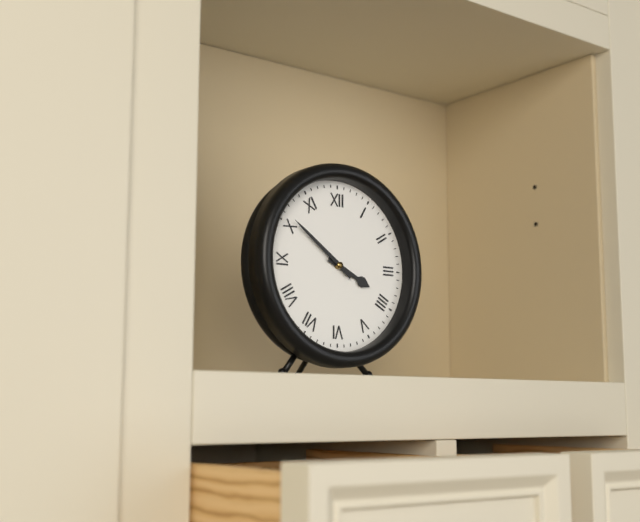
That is h=3 m=51
